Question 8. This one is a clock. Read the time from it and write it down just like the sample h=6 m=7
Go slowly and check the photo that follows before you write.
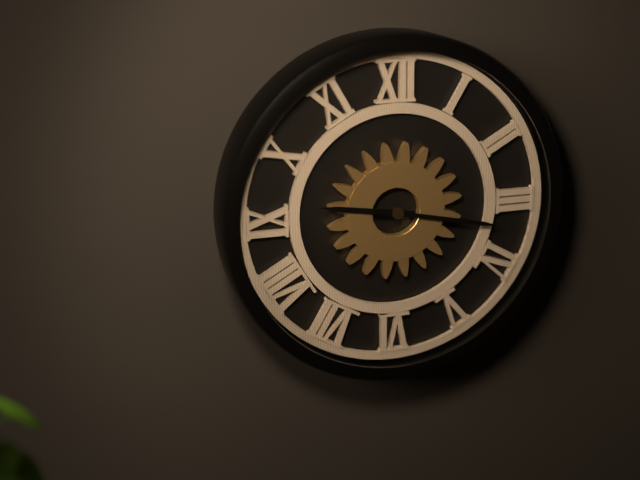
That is h=9 m=17
